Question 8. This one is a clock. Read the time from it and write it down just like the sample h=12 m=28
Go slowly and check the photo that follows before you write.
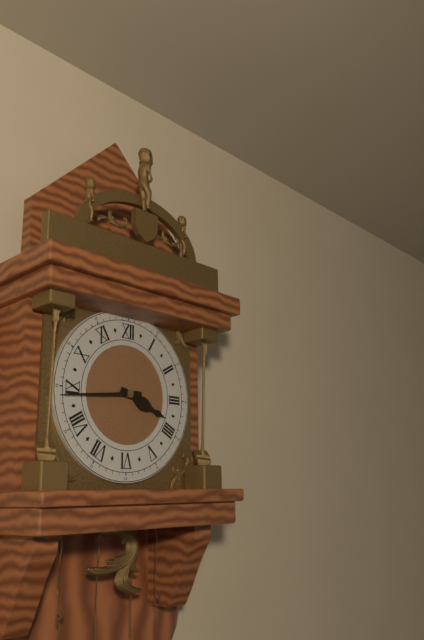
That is h=3 m=44
